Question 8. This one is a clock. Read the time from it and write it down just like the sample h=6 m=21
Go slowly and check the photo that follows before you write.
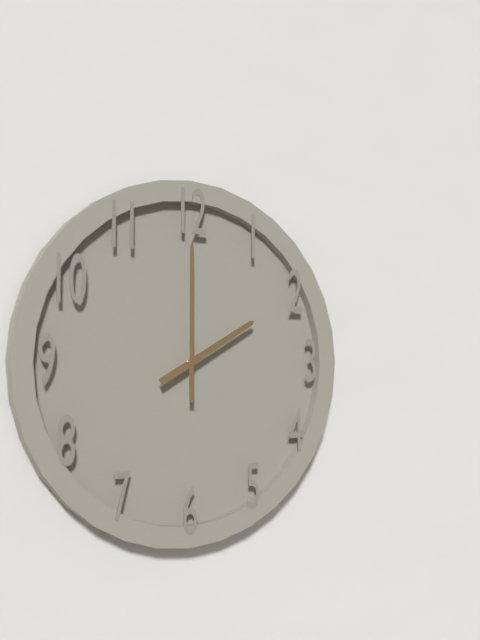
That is h=2 m=0
